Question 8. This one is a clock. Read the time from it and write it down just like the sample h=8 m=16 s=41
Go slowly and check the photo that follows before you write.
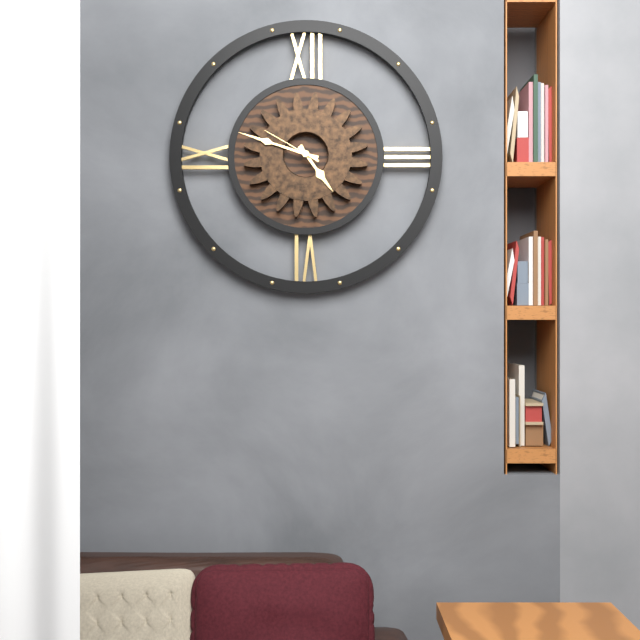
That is h=4 m=48 s=50
